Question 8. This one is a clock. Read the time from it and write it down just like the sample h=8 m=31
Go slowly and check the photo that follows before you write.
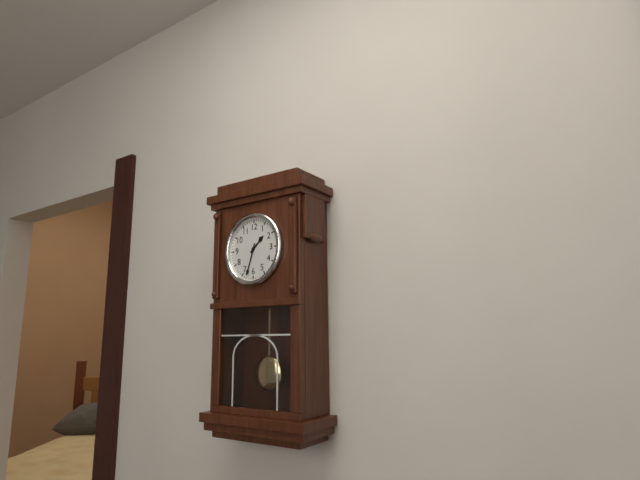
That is h=1 m=33
